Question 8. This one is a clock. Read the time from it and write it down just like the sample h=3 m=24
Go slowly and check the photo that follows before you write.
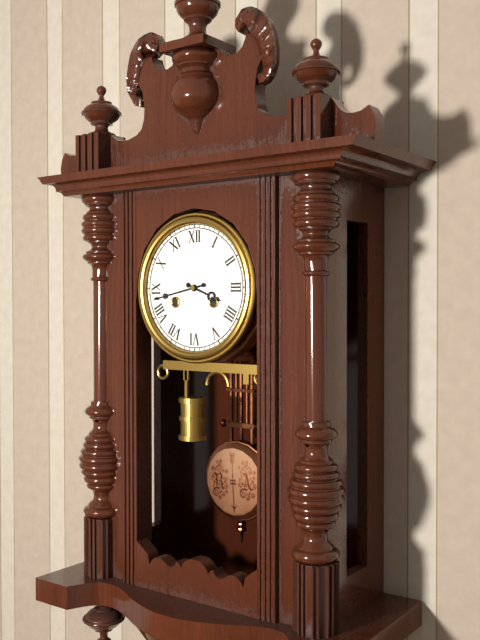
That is h=3 m=43
